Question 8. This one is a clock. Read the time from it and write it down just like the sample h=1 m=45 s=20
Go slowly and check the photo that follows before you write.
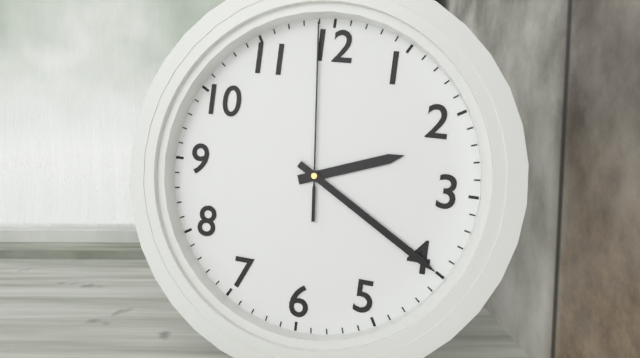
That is h=2 m=20 s=59
